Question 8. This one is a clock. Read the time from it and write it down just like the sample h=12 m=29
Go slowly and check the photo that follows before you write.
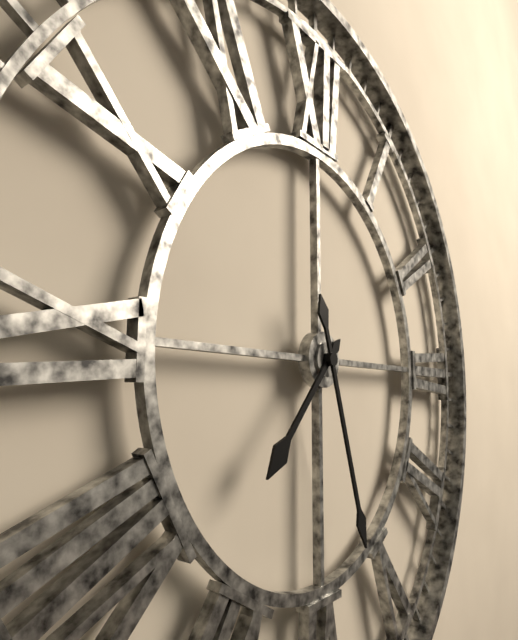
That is h=7 m=27
